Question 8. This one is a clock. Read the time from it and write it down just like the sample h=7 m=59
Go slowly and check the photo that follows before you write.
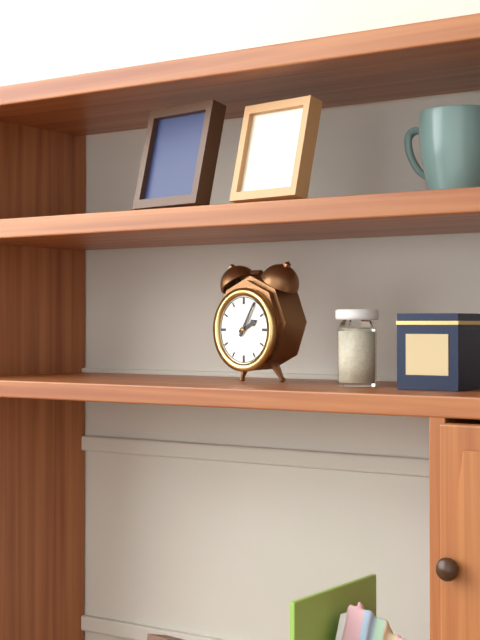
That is h=2 m=5
